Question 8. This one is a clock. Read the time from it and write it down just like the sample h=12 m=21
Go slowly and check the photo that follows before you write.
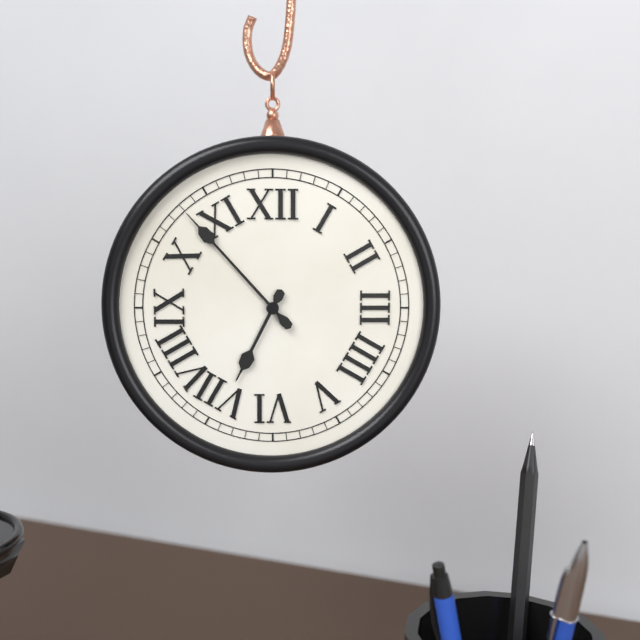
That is h=6 m=53
